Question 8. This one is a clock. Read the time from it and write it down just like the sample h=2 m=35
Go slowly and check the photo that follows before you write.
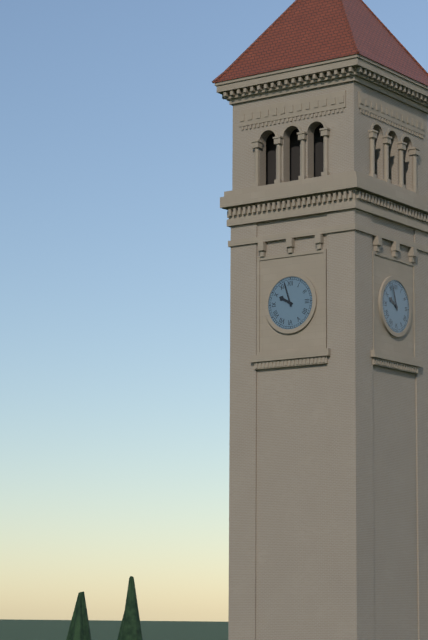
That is h=9 m=57
